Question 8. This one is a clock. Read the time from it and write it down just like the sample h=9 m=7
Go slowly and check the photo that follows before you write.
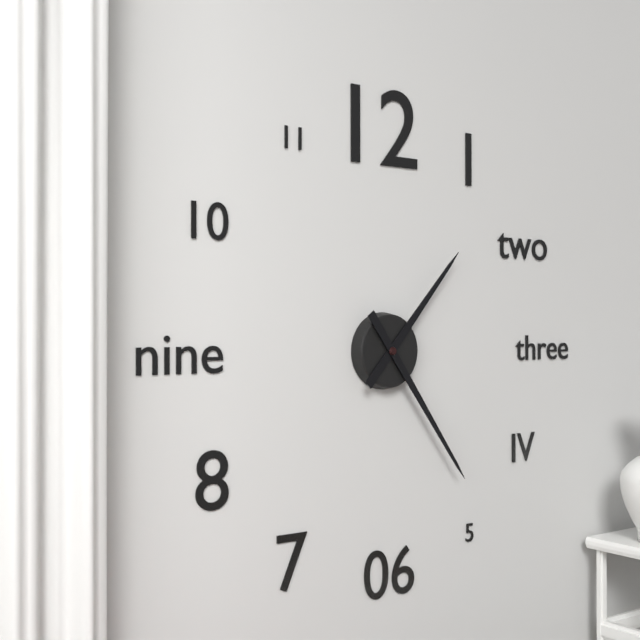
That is h=1 m=24
